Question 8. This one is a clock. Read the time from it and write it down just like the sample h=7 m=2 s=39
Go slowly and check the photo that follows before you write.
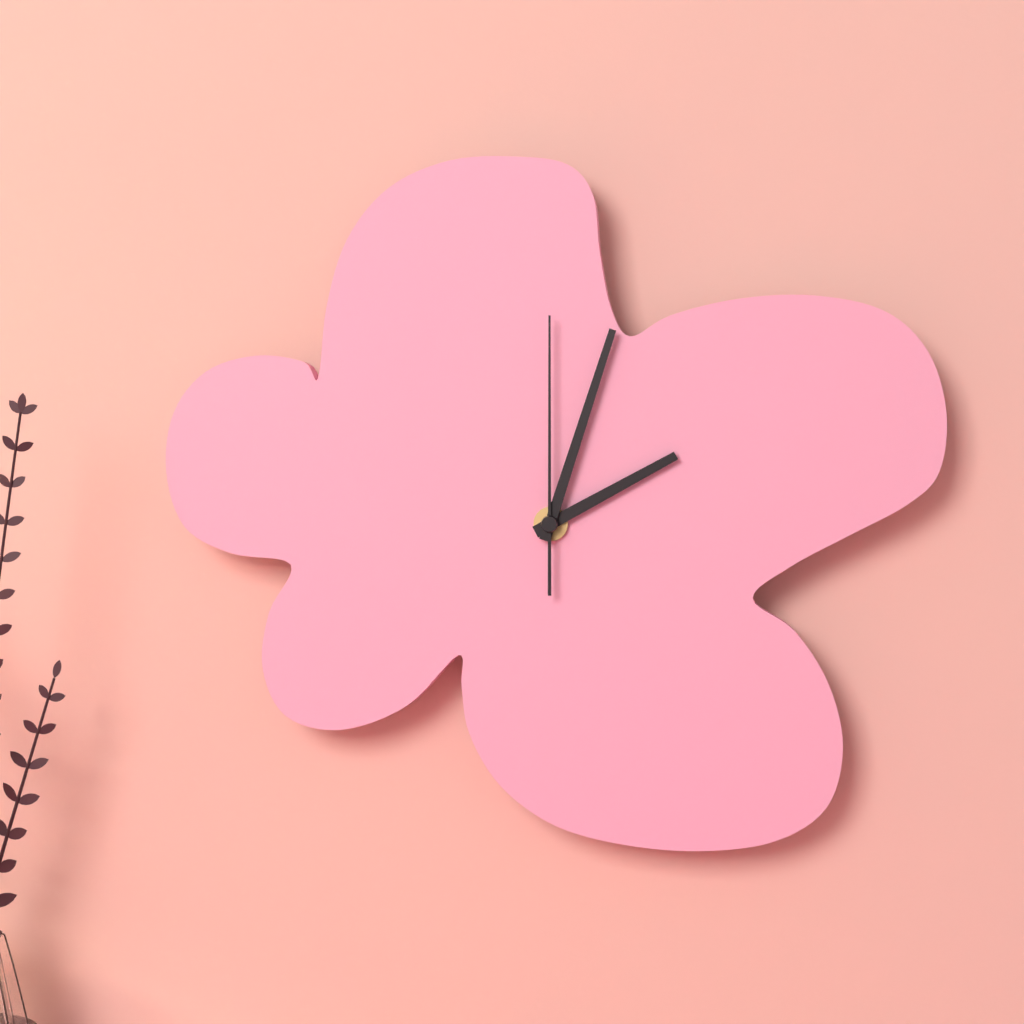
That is h=2 m=3 s=0
